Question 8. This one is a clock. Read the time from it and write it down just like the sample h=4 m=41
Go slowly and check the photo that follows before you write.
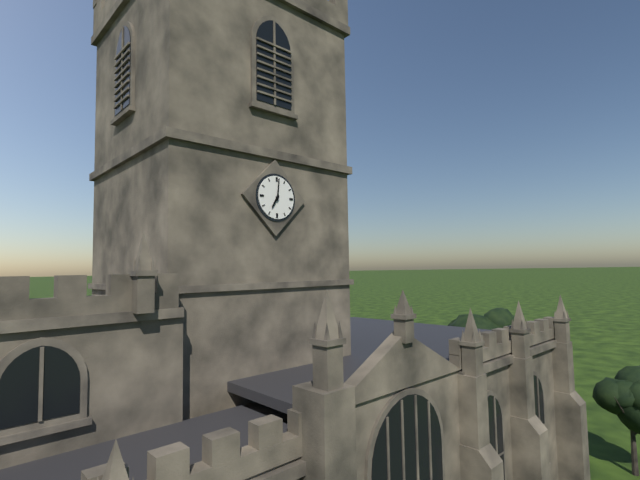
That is h=7 m=1
